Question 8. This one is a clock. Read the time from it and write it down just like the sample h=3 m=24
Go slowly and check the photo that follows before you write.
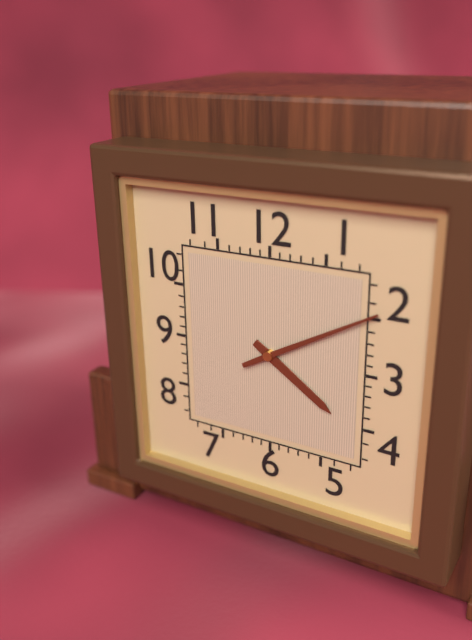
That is h=4 m=10
